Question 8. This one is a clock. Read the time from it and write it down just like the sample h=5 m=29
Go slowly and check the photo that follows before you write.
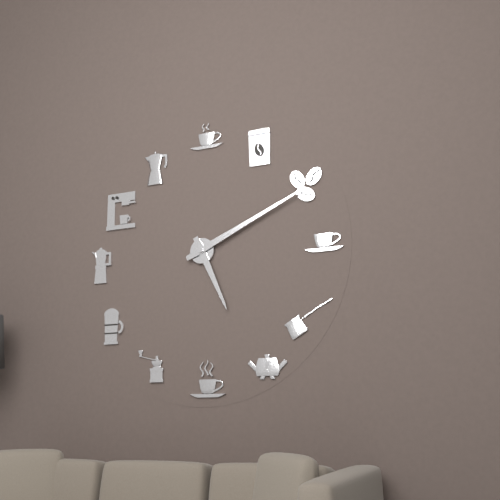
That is h=5 m=11
